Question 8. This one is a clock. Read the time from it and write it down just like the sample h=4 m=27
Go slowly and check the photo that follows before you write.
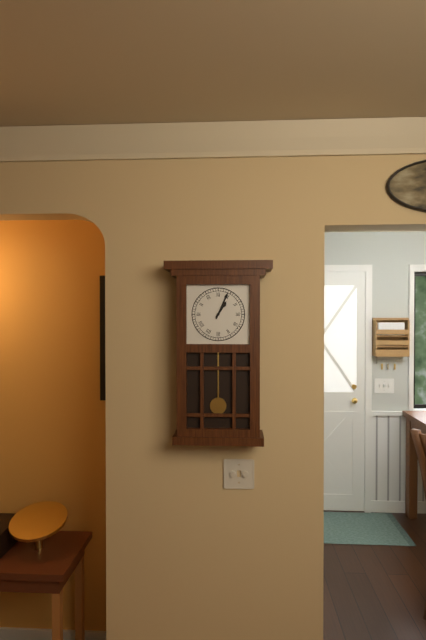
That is h=1 m=4
